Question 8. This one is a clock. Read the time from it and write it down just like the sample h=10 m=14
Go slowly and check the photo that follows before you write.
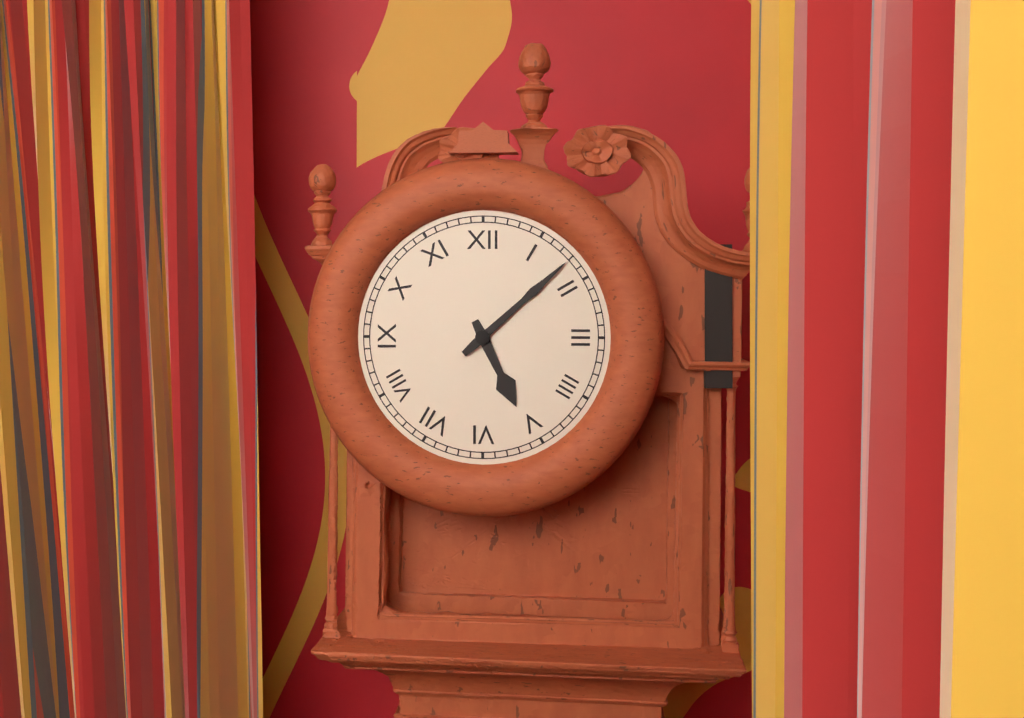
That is h=5 m=8
